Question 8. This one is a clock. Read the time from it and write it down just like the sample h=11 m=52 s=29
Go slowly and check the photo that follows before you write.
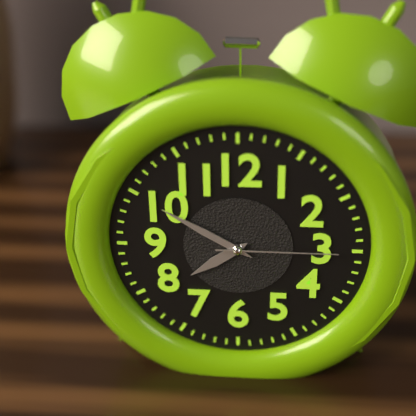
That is h=7 m=50 s=15
